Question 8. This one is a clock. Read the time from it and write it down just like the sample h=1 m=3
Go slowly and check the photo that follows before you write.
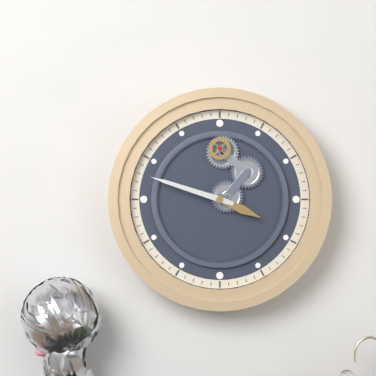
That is h=3 m=48
